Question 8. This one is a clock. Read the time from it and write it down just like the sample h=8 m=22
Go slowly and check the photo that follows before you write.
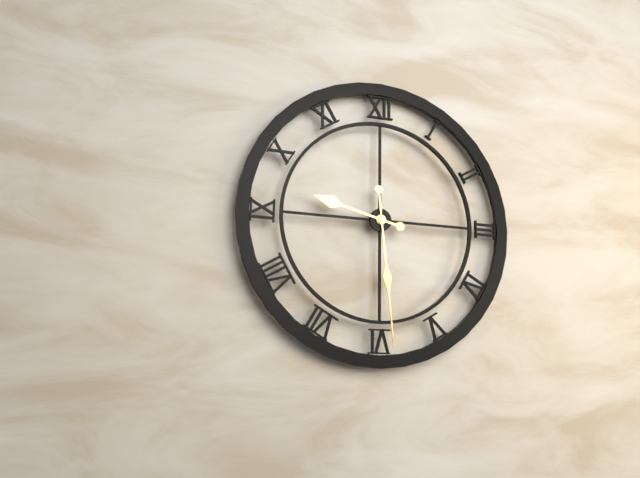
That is h=9 m=29
